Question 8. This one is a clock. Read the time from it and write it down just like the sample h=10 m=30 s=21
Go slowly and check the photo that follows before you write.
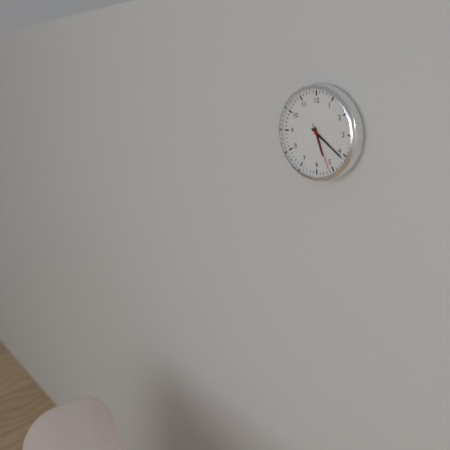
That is h=5 m=21 s=26
